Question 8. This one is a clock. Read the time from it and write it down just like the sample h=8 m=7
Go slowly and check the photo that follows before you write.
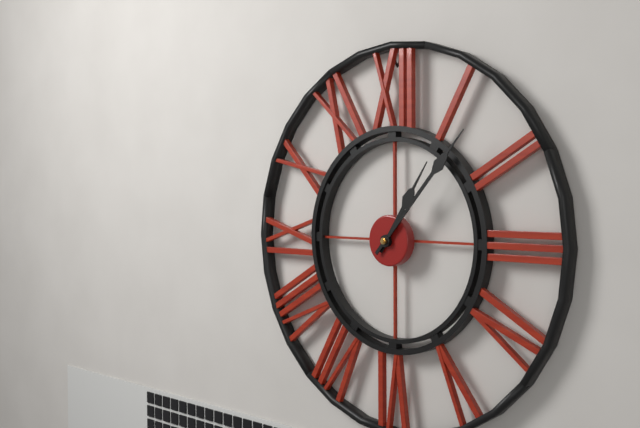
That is h=1 m=7
